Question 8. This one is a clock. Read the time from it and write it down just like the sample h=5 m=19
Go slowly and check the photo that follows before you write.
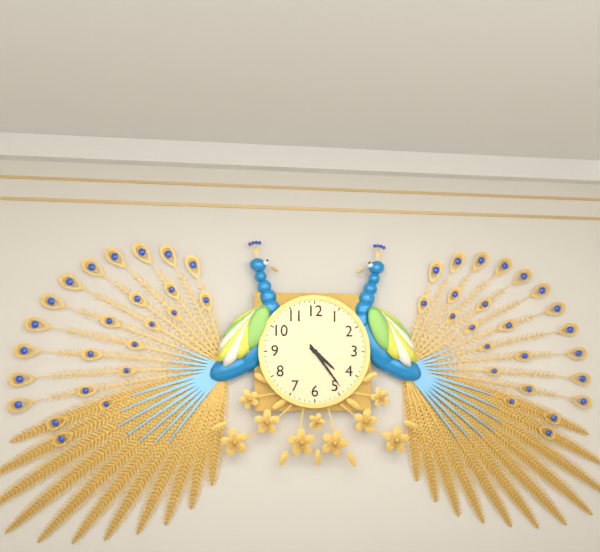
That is h=4 m=24
